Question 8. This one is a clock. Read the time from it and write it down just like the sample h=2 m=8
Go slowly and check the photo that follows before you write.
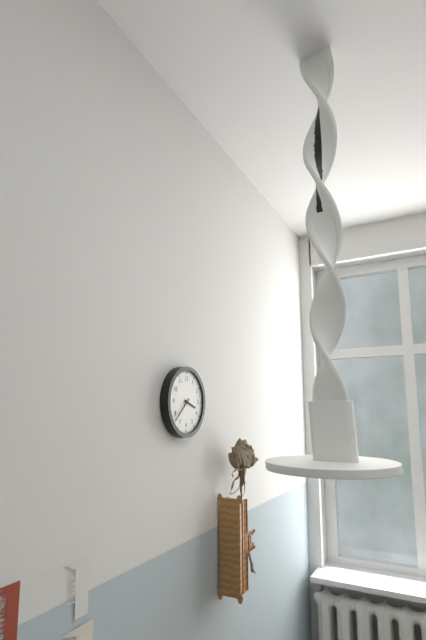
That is h=3 m=38
